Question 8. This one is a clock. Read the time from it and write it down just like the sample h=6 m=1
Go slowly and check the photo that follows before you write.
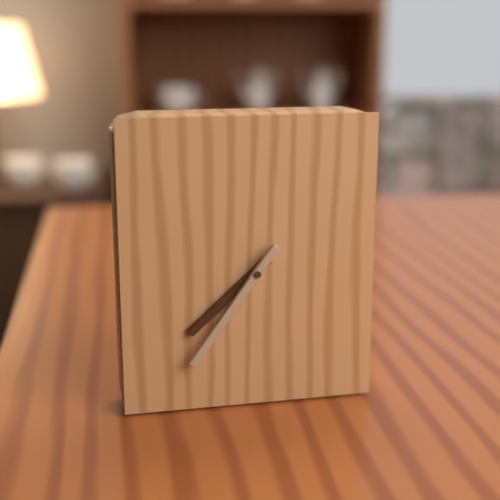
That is h=7 m=36
